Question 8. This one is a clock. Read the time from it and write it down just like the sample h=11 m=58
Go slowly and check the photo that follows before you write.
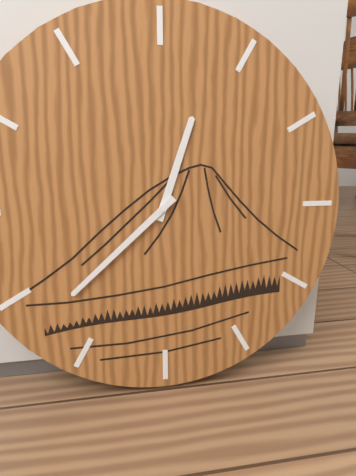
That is h=12 m=38
